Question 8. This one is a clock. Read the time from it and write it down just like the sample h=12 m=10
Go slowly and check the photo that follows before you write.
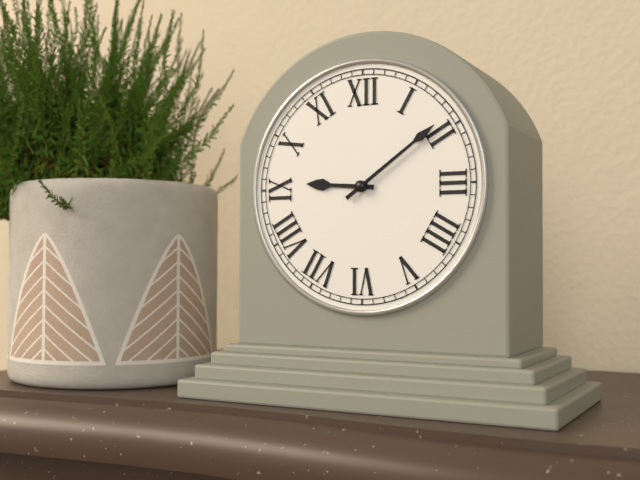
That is h=9 m=9
